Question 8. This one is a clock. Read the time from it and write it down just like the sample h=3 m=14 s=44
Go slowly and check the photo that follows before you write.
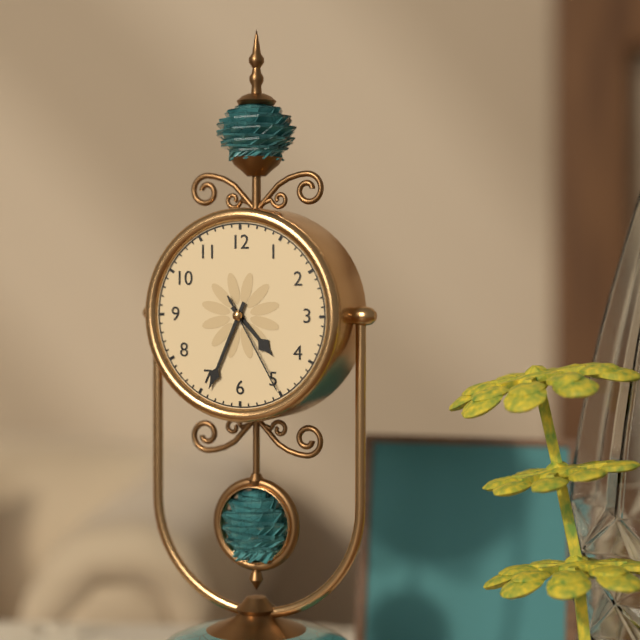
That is h=4 m=34 s=25
